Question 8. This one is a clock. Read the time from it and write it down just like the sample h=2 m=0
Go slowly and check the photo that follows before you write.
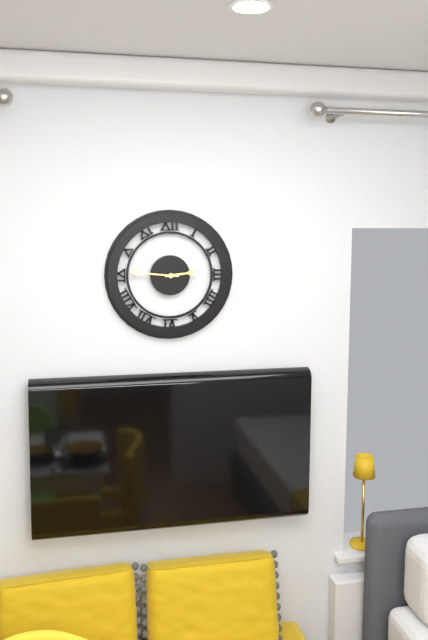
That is h=2 m=46
